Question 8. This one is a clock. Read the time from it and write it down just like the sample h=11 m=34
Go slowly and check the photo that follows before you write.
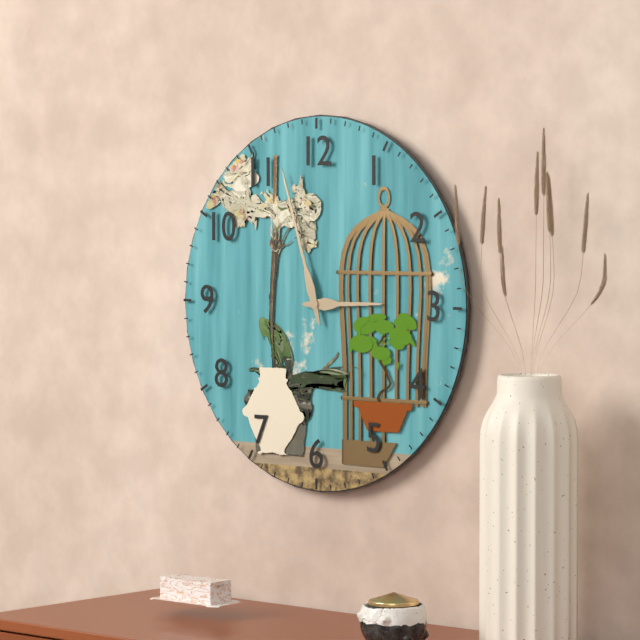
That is h=2 m=57
